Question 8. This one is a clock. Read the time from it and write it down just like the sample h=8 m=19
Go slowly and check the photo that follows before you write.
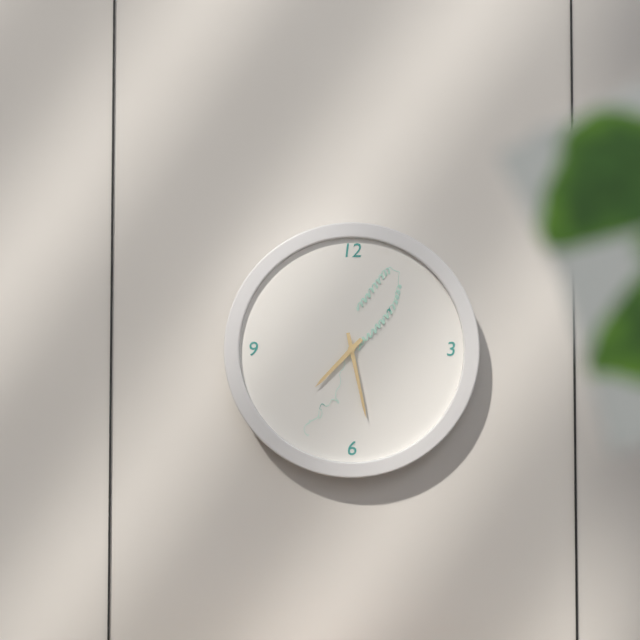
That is h=7 m=28
